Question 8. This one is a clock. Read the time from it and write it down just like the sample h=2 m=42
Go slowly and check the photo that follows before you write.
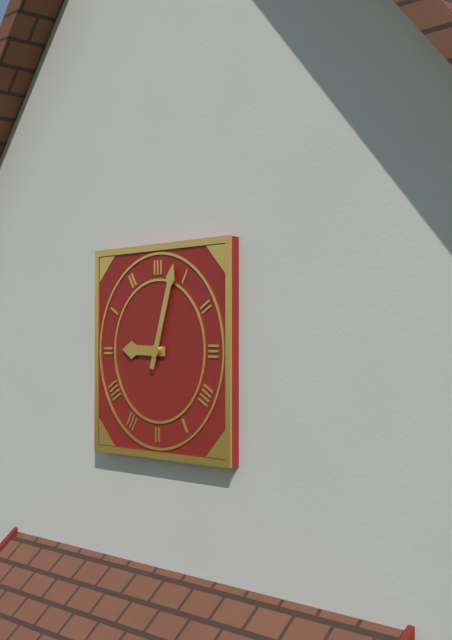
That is h=9 m=3
